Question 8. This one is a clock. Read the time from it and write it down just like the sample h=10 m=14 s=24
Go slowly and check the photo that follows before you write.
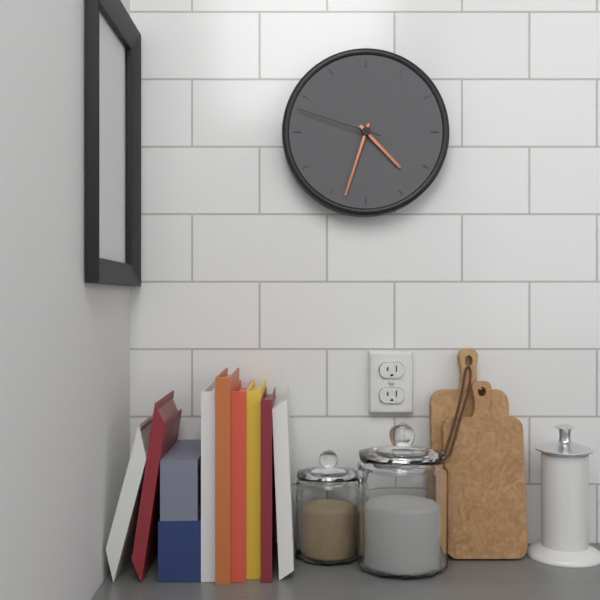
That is h=4 m=33 s=48
